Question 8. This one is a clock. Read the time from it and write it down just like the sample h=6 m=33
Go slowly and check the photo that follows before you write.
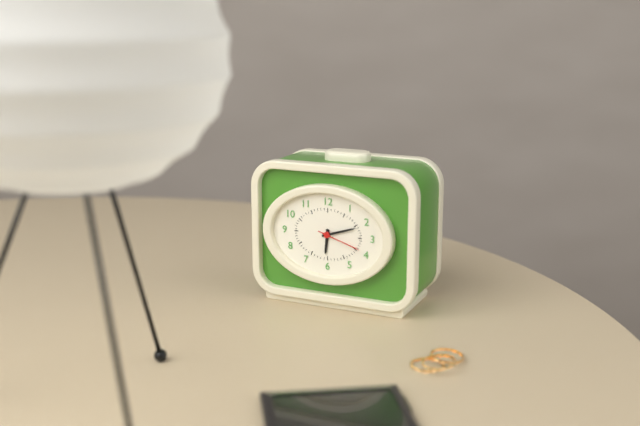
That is h=6 m=12
